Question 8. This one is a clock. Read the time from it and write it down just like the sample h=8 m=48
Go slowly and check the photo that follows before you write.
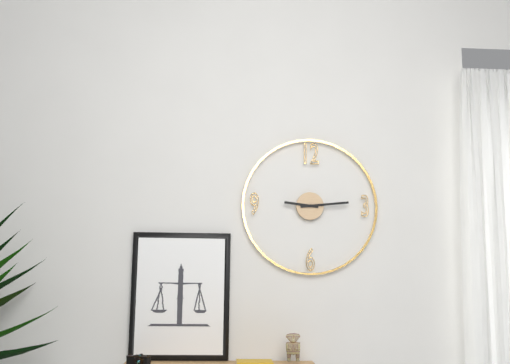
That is h=9 m=14
